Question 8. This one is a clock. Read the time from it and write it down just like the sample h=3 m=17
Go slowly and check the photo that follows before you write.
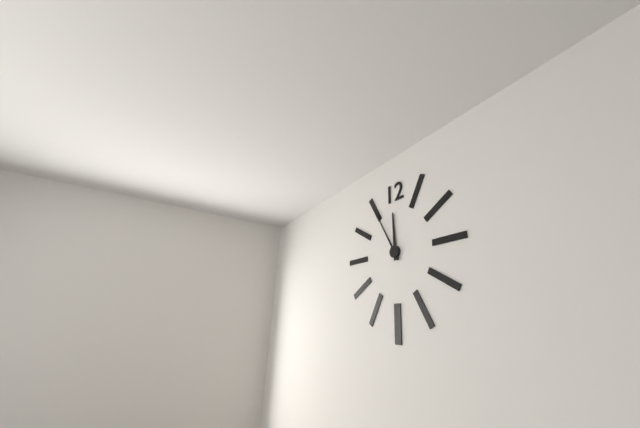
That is h=11 m=55
